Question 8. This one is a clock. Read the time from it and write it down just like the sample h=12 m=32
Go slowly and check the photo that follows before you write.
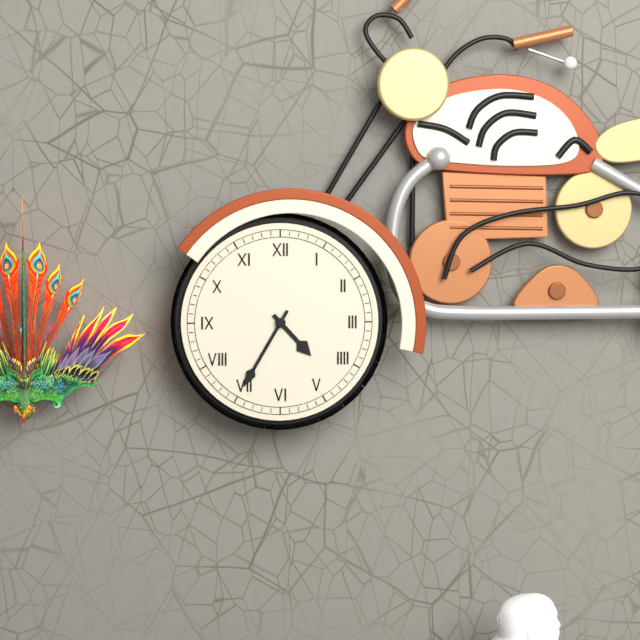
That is h=4 m=35
